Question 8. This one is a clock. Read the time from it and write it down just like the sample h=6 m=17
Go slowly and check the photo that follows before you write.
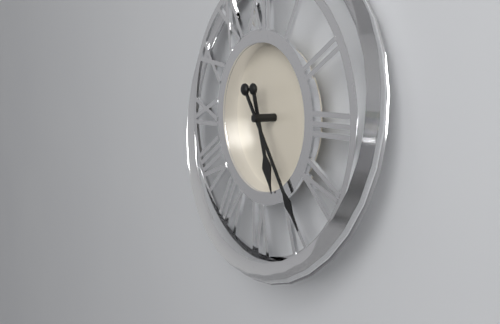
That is h=5 m=24
